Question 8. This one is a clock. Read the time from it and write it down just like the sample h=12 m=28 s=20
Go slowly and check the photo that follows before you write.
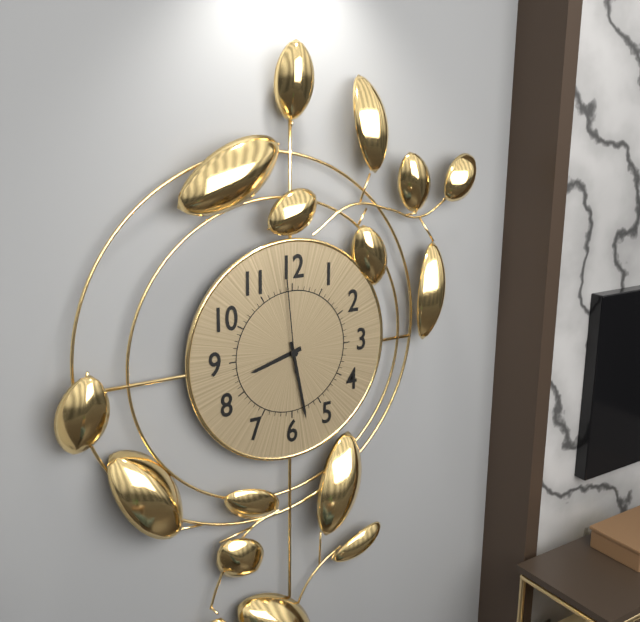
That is h=8 m=28 s=59
